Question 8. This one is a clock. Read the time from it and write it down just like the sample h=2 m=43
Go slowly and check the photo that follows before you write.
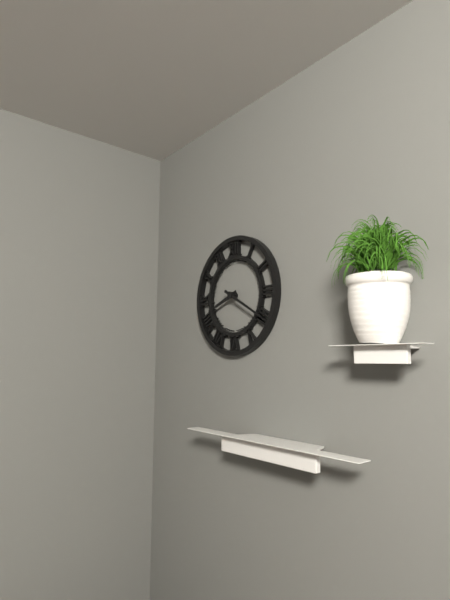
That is h=8 m=20
